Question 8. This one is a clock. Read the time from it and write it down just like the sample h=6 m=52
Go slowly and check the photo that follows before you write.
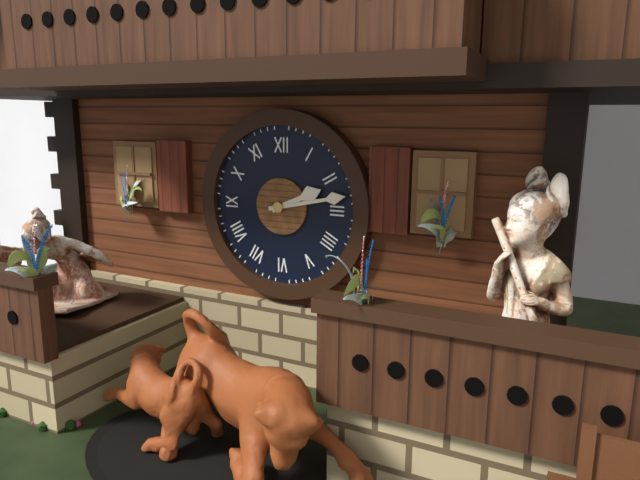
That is h=2 m=13
